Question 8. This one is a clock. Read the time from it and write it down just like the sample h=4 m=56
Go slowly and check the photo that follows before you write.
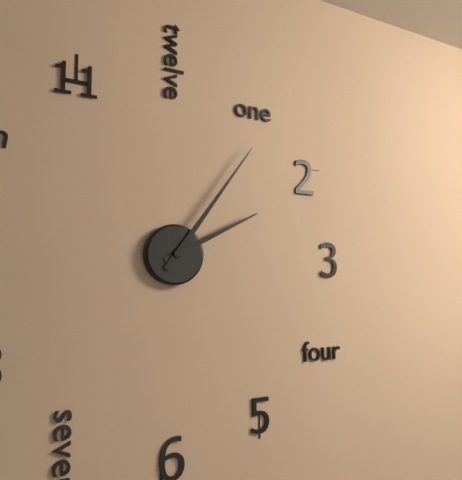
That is h=2 m=6
